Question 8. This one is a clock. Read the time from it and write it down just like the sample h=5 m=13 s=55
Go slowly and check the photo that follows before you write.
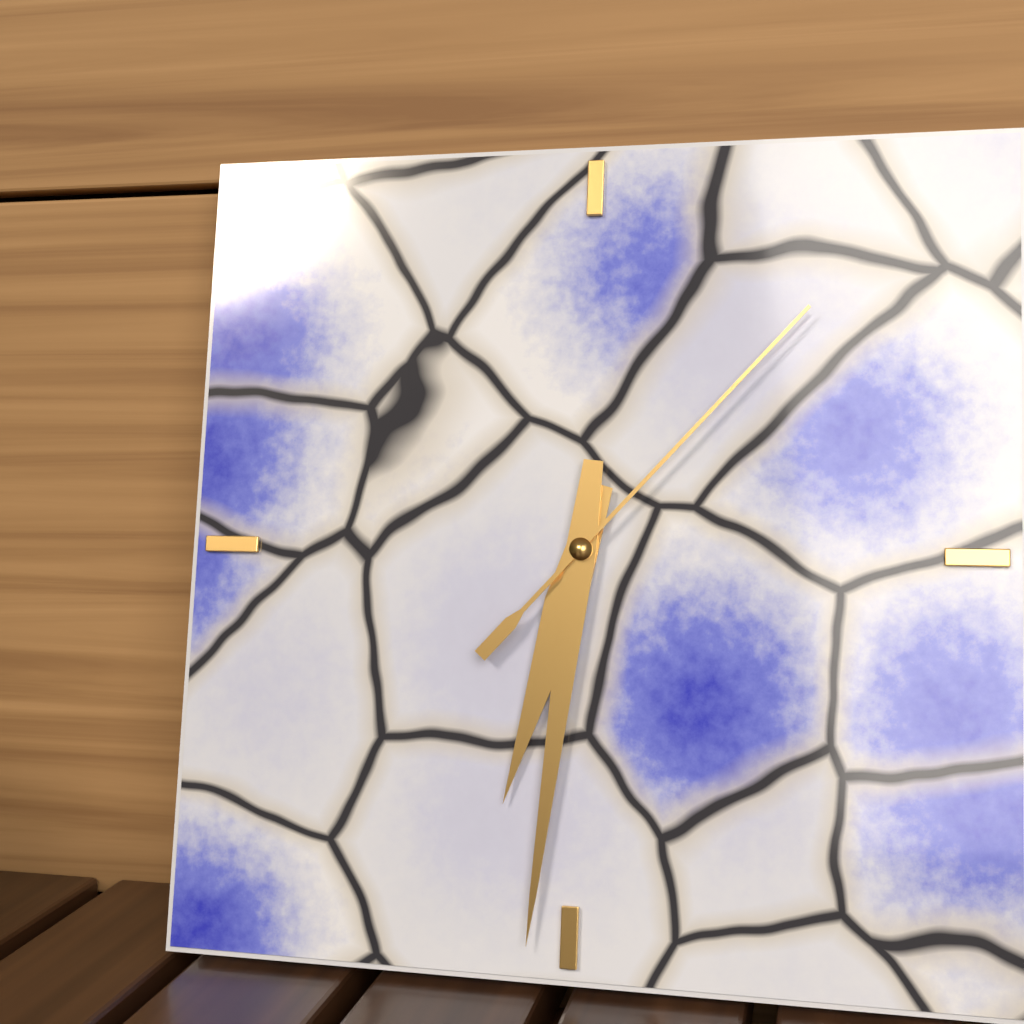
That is h=6 m=31 s=7
